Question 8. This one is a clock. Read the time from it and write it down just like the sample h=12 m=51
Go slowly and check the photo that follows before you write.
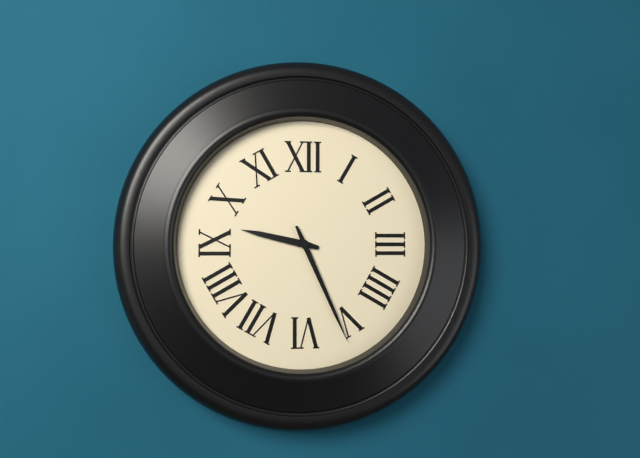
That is h=9 m=26
